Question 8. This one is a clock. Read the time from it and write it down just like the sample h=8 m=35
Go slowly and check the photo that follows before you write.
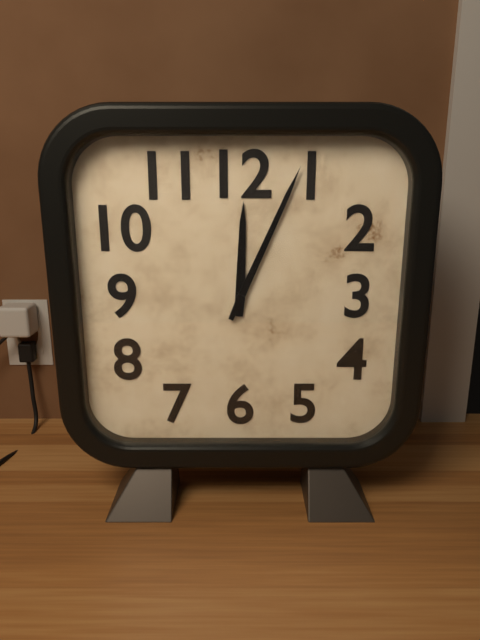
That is h=12 m=4
